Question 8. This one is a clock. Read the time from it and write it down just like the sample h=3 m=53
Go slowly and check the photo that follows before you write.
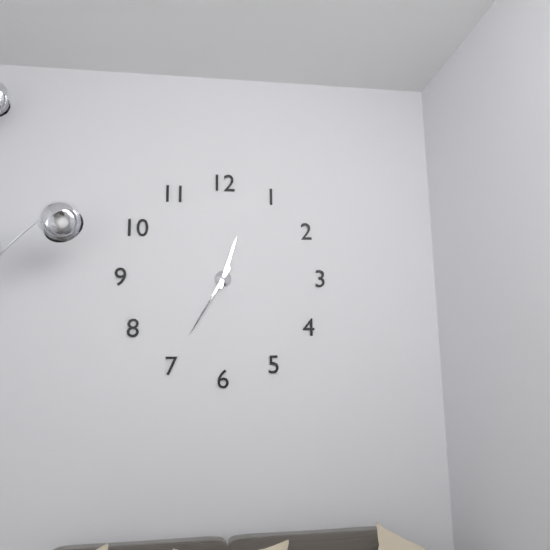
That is h=12 m=35
